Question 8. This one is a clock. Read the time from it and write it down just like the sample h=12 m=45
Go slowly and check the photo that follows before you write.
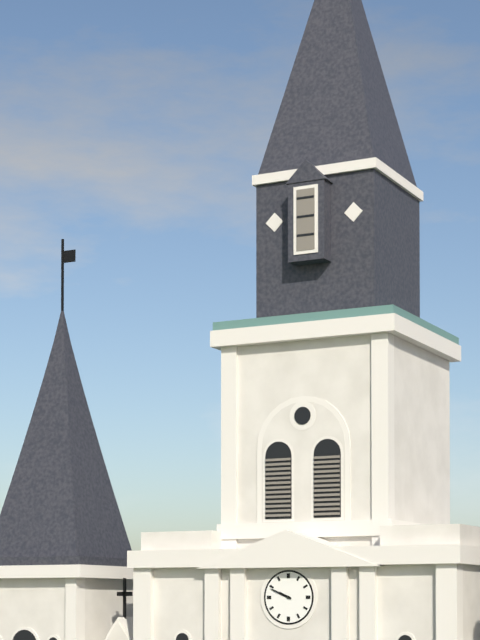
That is h=9 m=49
